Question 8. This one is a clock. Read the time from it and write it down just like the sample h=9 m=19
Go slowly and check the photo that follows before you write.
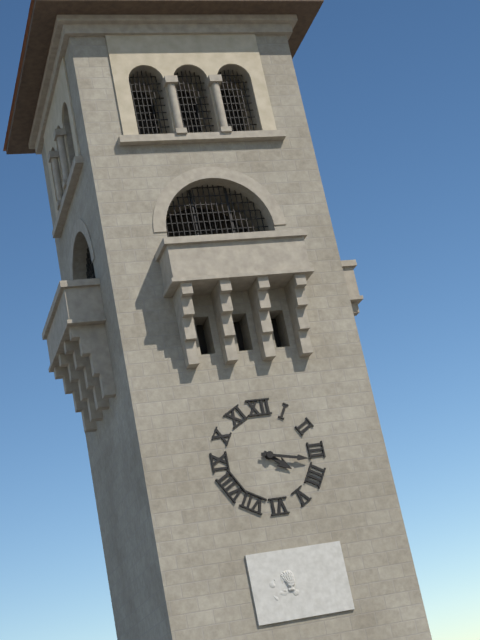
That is h=4 m=17
